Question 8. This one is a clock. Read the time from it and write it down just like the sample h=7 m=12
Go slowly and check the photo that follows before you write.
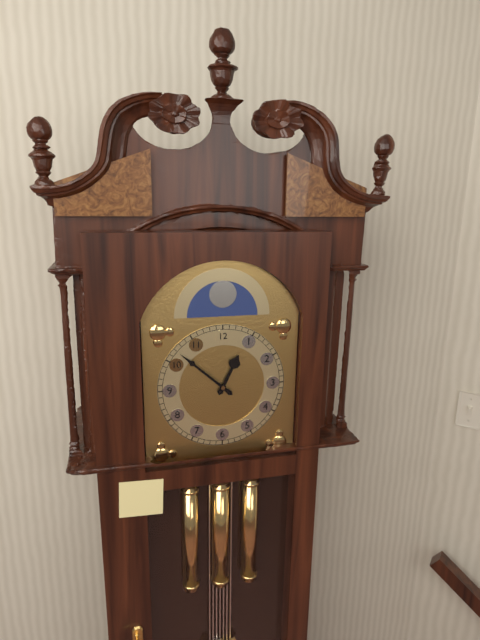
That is h=12 m=52
